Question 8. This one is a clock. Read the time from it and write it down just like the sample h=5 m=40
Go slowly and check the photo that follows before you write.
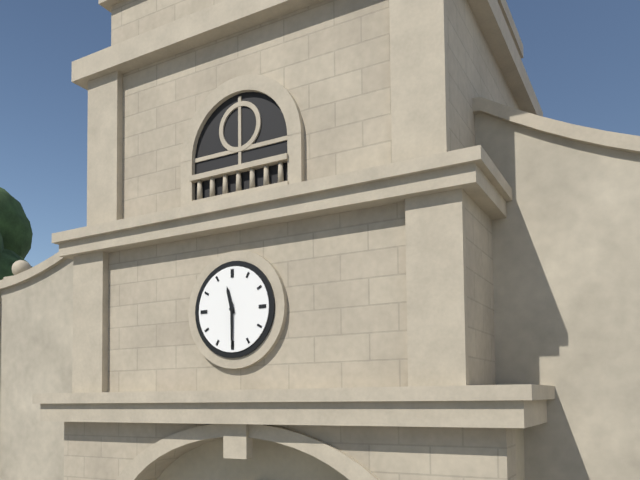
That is h=11 m=30
